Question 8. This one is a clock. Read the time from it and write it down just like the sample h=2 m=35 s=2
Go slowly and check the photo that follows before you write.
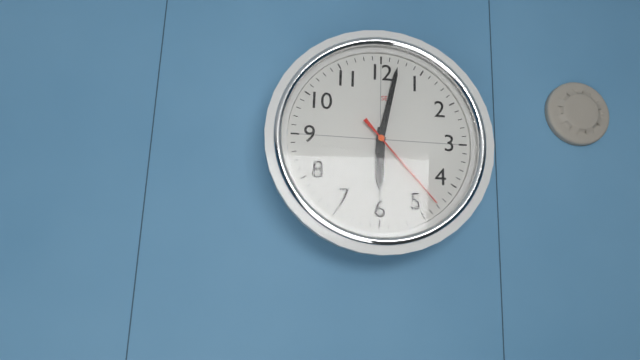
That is h=6 m=2 s=23
